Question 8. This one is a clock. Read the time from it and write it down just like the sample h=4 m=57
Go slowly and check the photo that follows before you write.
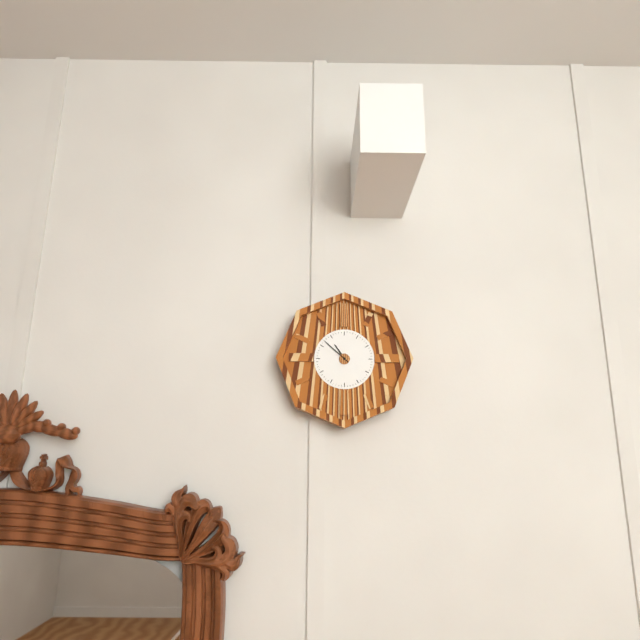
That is h=10 m=52
